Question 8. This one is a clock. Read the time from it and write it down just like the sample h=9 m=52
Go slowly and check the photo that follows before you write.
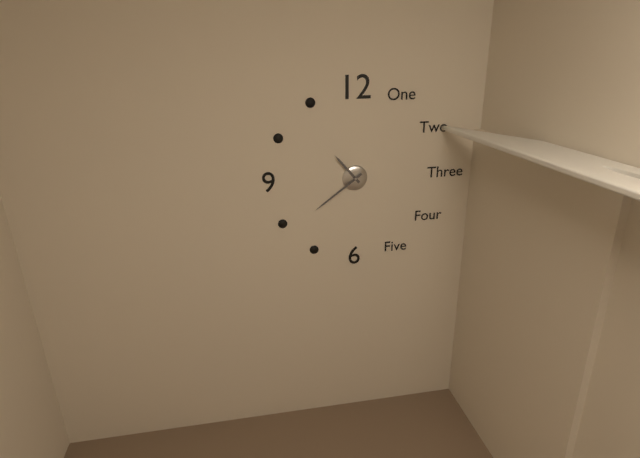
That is h=10 m=39
